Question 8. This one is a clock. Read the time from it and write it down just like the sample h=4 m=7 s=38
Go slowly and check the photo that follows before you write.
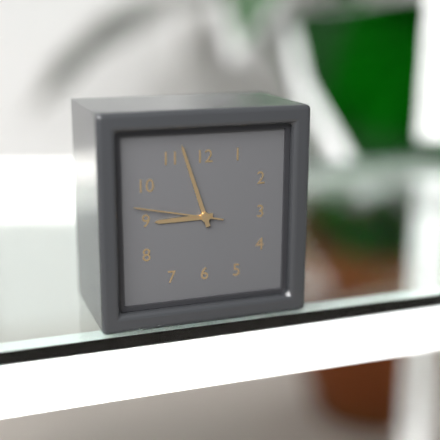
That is h=8 m=57 s=47
